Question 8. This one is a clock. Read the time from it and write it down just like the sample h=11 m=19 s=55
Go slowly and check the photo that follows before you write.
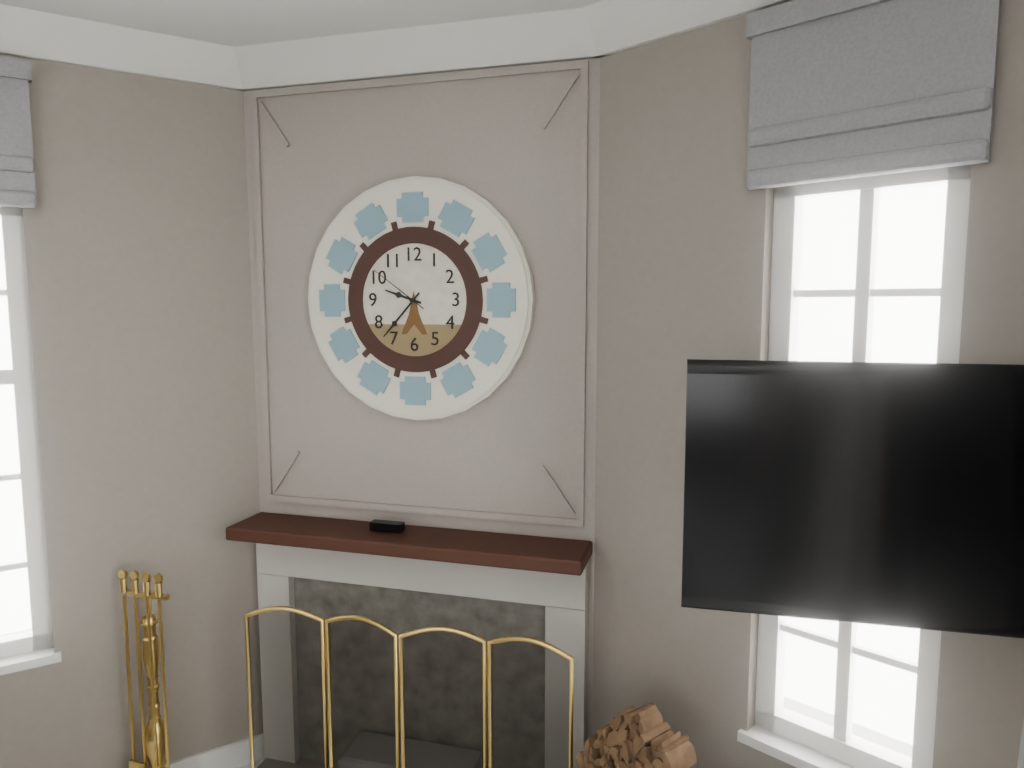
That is h=9 m=37 s=51
